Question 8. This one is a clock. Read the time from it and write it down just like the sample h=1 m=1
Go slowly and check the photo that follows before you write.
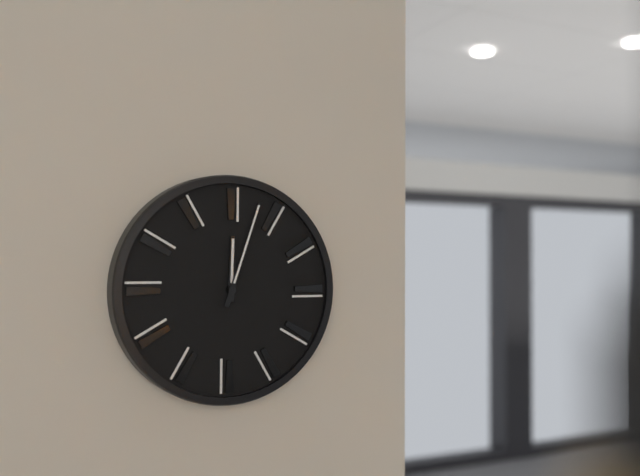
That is h=12 m=3
